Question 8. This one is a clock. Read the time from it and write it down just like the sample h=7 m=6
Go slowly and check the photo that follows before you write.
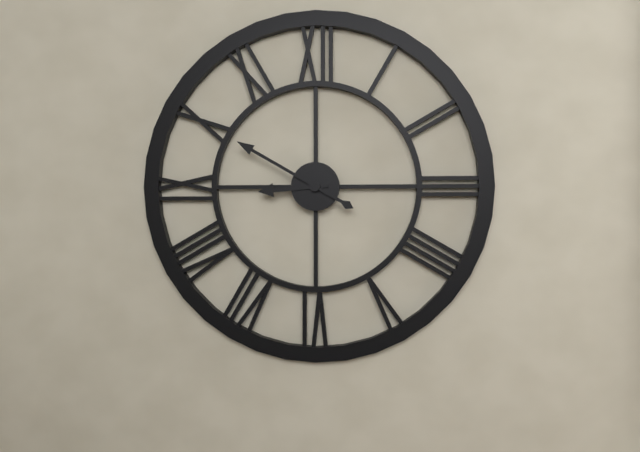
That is h=8 m=50
